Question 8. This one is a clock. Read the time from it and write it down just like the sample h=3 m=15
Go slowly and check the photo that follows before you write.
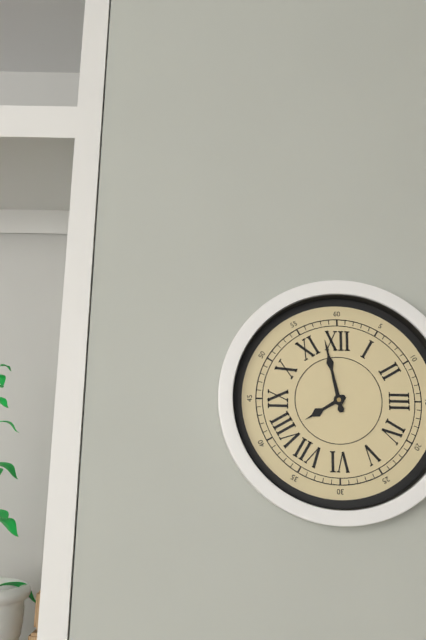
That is h=7 m=58
